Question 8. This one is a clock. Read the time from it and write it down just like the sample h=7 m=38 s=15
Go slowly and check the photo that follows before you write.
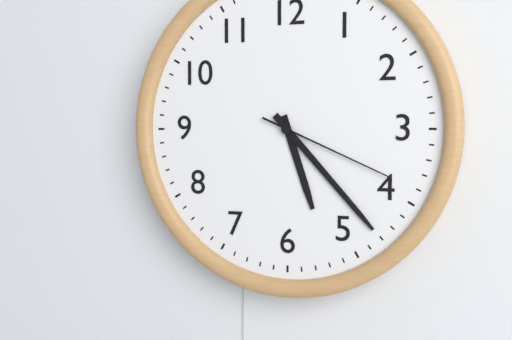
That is h=5 m=23 s=19
